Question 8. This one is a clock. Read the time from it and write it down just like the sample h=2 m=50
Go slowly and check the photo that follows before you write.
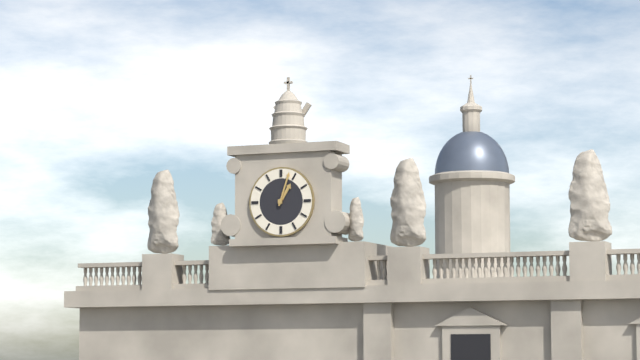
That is h=1 m=3
